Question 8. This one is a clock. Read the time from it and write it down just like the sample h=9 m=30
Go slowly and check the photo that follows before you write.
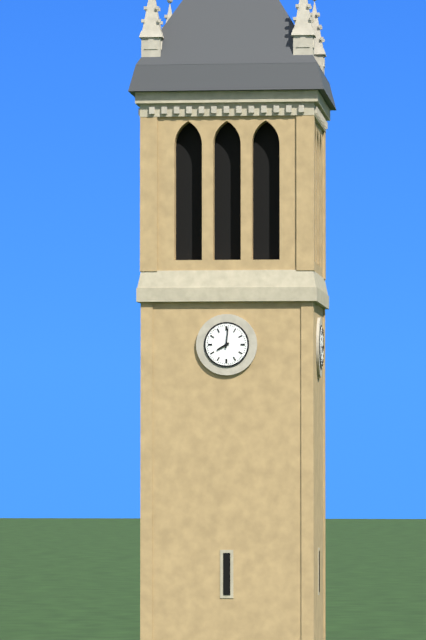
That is h=8 m=1
